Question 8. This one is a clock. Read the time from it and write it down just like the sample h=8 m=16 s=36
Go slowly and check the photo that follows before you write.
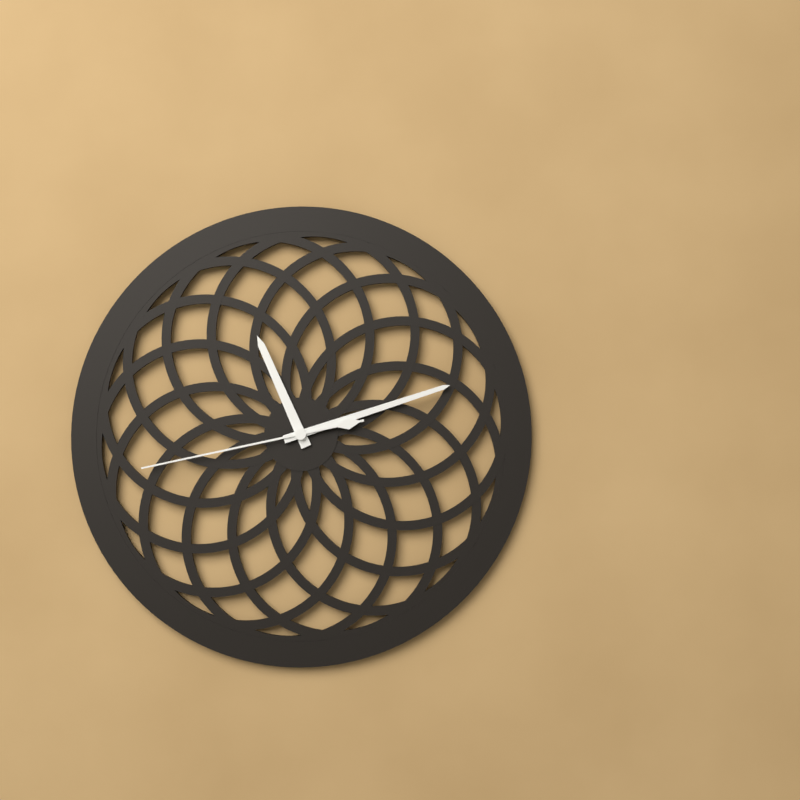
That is h=11 m=12 s=43
